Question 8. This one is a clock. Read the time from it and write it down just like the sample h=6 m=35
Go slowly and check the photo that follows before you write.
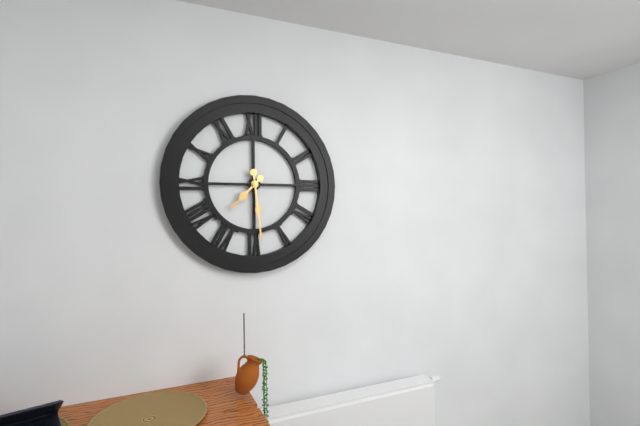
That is h=7 m=29
